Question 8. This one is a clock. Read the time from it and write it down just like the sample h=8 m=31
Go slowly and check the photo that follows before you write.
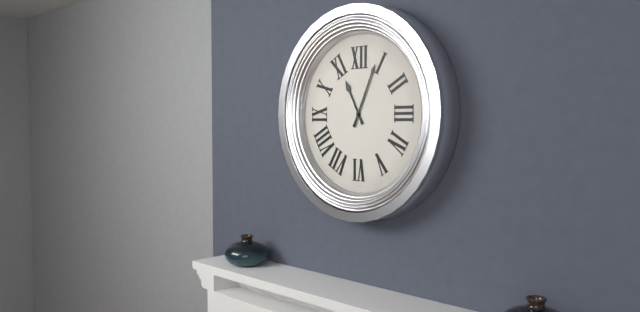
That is h=11 m=4
